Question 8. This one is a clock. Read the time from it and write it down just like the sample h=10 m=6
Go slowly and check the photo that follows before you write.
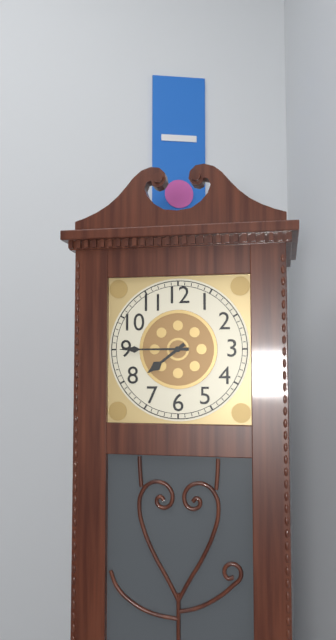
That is h=7 m=45
